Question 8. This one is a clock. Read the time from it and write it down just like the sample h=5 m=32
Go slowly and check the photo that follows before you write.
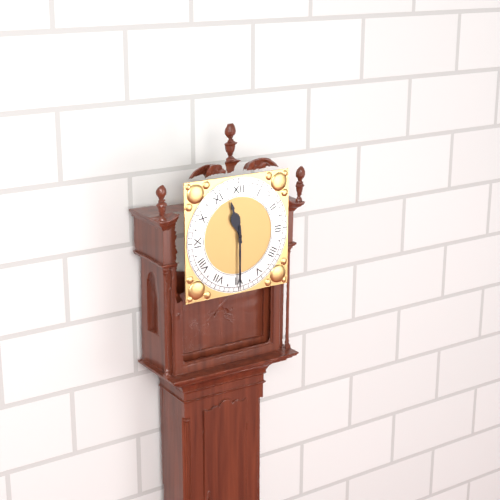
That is h=11 m=30
